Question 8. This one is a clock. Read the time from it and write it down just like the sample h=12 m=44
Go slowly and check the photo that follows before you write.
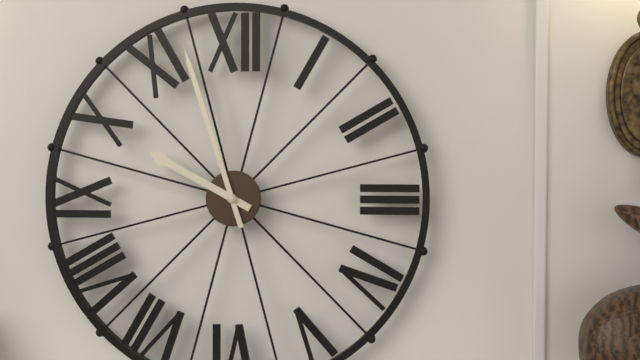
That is h=9 m=57
